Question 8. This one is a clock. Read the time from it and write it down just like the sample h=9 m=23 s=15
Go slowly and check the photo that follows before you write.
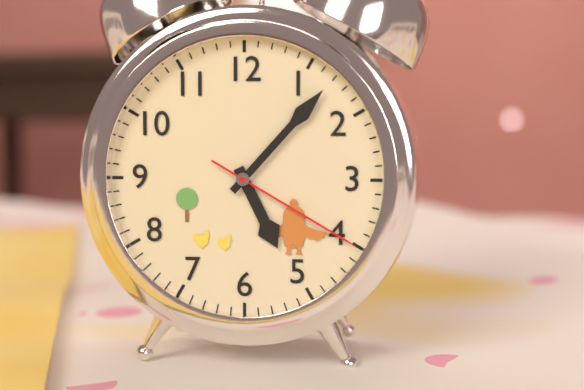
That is h=5 m=7 s=20
